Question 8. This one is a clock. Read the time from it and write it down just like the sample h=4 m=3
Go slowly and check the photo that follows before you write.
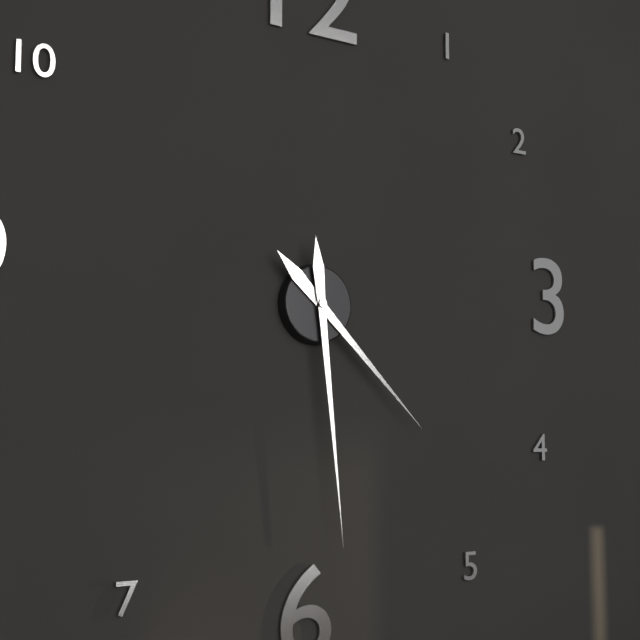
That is h=4 m=29
